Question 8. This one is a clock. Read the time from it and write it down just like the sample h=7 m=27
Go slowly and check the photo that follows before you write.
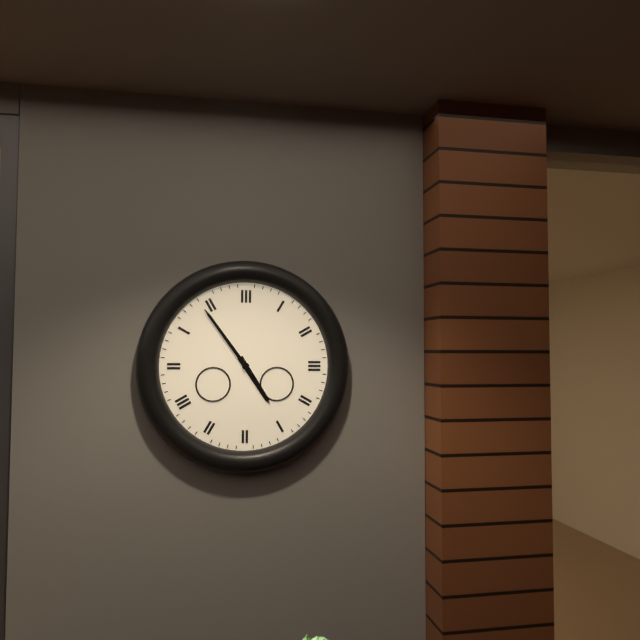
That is h=4 m=54
